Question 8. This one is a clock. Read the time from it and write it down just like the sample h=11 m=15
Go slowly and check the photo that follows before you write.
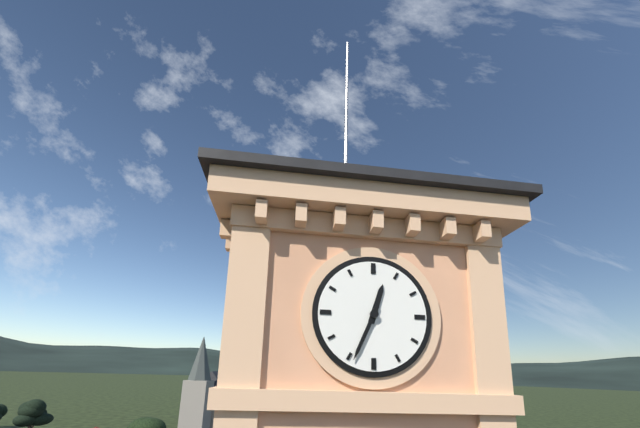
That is h=12 m=34
